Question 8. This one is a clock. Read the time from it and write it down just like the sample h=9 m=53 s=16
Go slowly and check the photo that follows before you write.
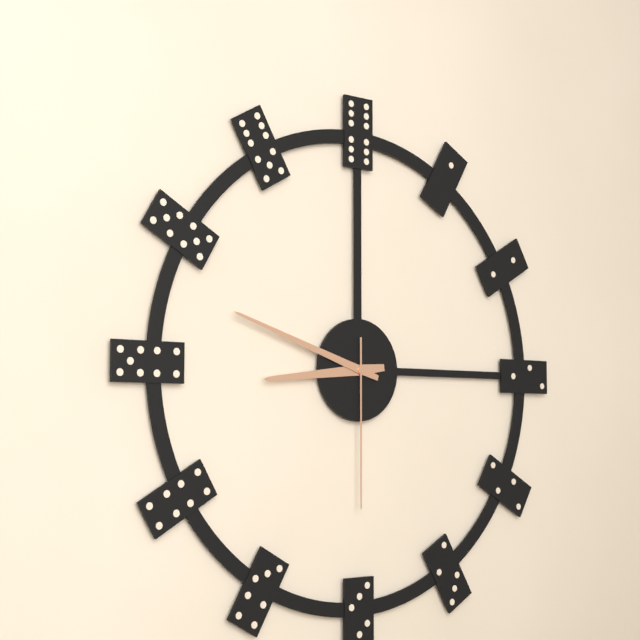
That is h=8 m=48 s=30
